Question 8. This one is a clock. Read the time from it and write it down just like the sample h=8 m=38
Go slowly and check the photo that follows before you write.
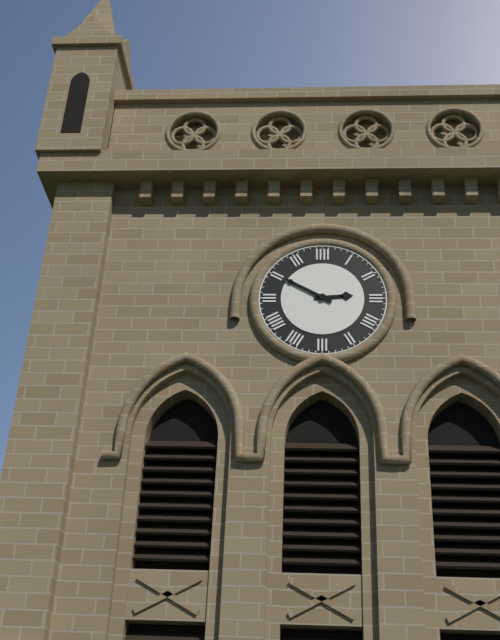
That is h=2 m=50
